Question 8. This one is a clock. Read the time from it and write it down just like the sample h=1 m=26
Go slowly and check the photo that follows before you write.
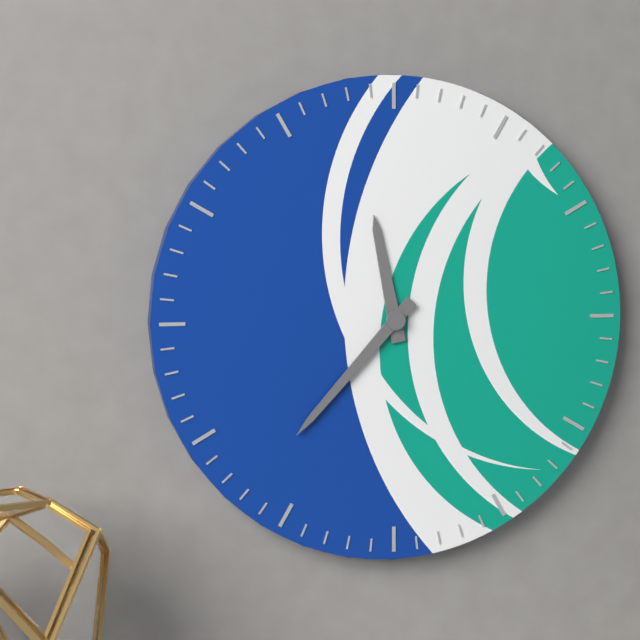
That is h=11 m=37
